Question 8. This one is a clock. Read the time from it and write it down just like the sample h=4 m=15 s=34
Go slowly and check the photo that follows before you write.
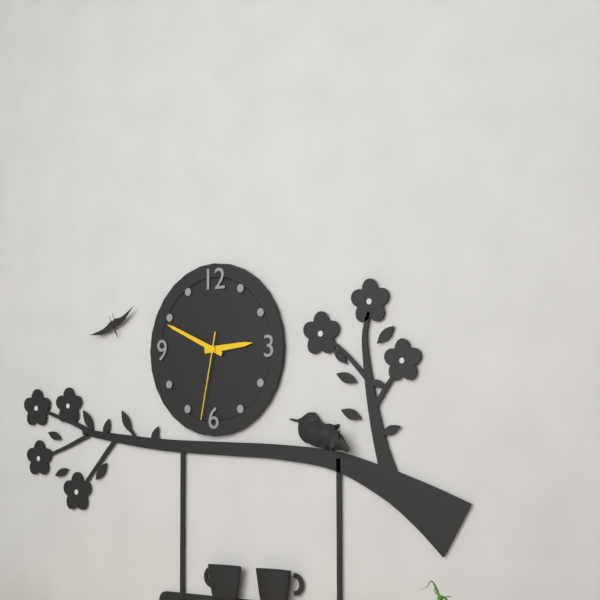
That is h=2 m=49 s=32
